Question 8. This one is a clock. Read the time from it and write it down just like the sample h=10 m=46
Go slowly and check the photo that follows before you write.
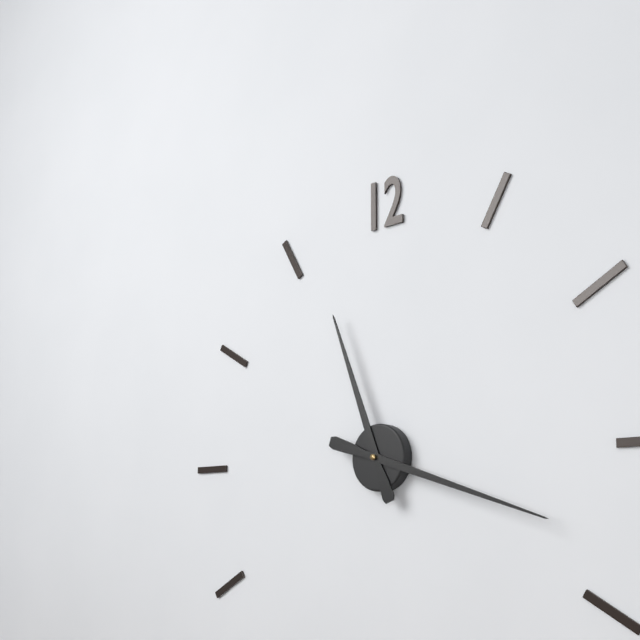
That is h=11 m=18
